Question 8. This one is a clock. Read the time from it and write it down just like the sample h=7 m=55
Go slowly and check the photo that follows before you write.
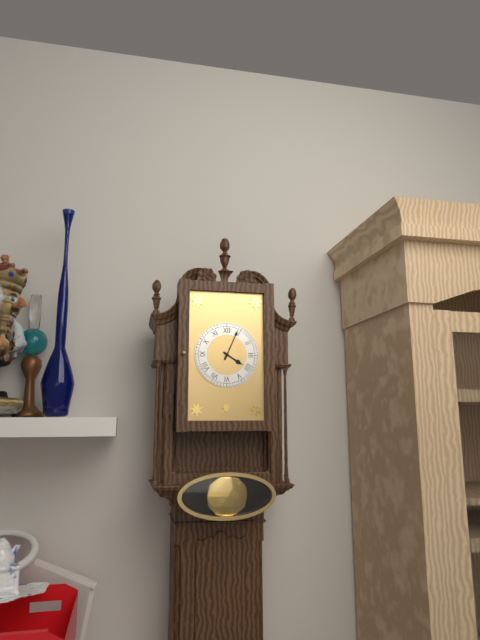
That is h=4 m=4
